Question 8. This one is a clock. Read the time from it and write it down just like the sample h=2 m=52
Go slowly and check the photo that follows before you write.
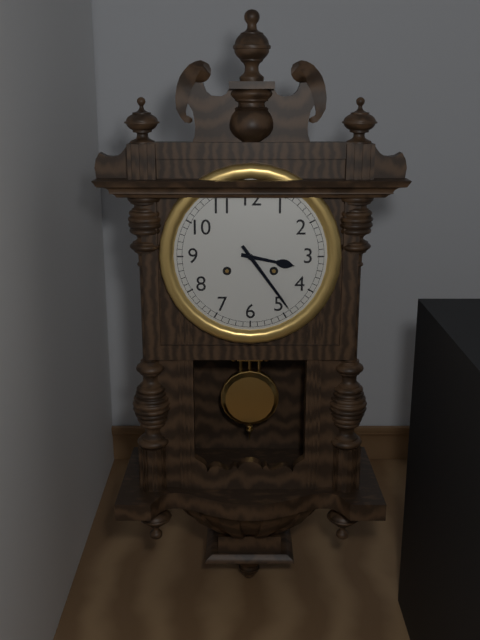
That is h=3 m=24
